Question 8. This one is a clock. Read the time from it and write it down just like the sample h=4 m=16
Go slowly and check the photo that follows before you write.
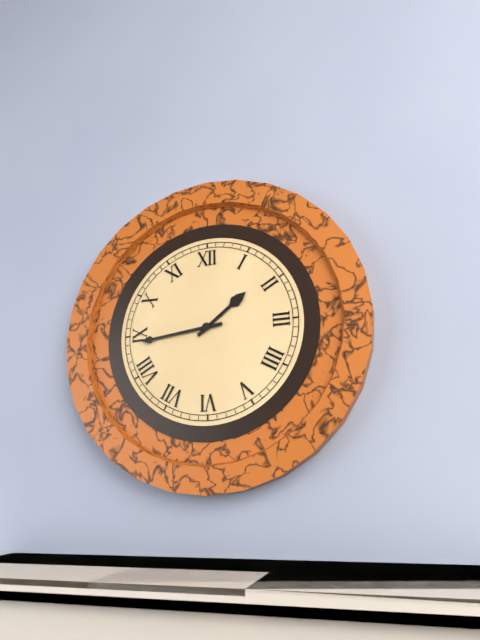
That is h=1 m=44
